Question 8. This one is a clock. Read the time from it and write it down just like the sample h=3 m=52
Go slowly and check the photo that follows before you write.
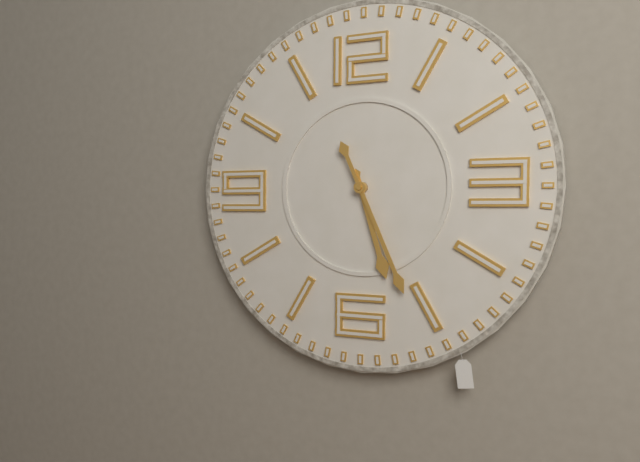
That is h=5 m=26
